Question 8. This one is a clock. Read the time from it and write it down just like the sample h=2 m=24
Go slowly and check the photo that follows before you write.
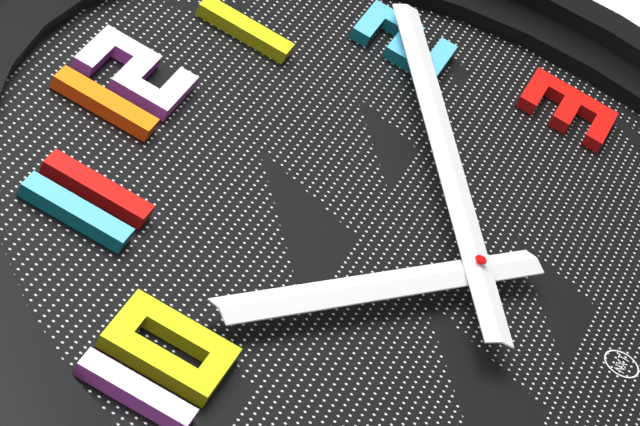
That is h=10 m=10
